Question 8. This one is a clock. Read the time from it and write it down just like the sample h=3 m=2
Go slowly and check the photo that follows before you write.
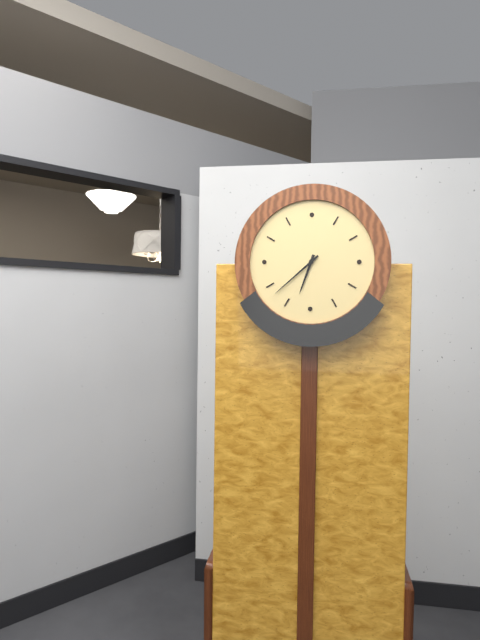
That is h=6 m=38
